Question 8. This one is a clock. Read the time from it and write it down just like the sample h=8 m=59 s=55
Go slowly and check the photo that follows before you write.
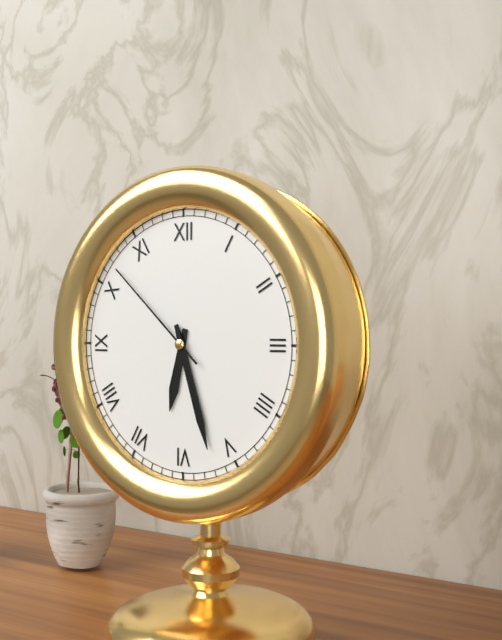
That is h=6 m=27 s=52
